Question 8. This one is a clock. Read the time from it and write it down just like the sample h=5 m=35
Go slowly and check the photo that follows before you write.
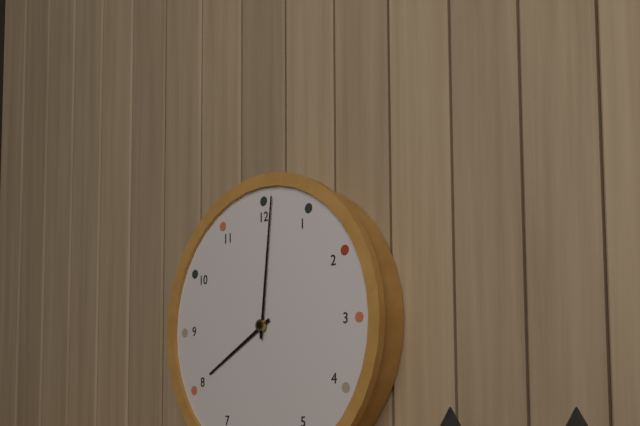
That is h=8 m=1
